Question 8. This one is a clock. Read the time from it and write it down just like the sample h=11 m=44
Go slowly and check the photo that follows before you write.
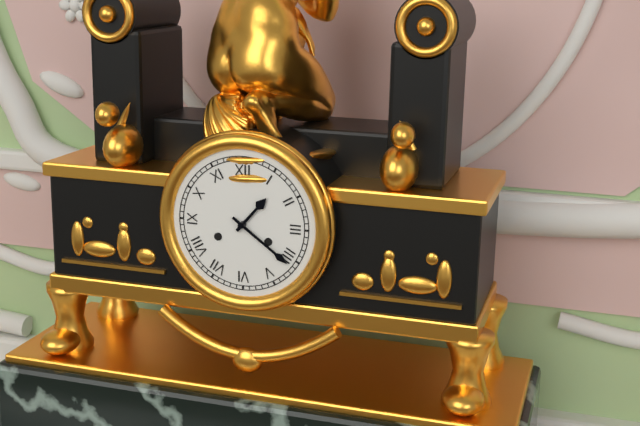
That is h=1 m=21
